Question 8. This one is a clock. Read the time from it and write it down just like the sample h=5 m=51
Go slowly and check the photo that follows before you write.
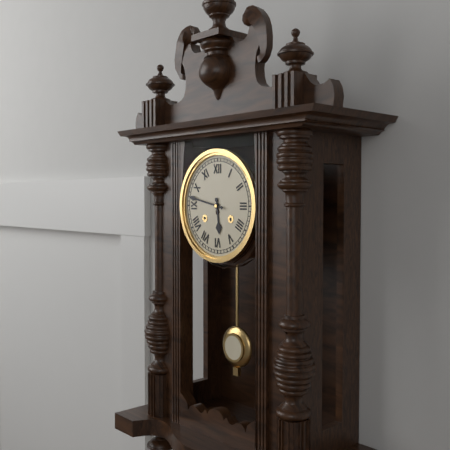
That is h=5 m=47
